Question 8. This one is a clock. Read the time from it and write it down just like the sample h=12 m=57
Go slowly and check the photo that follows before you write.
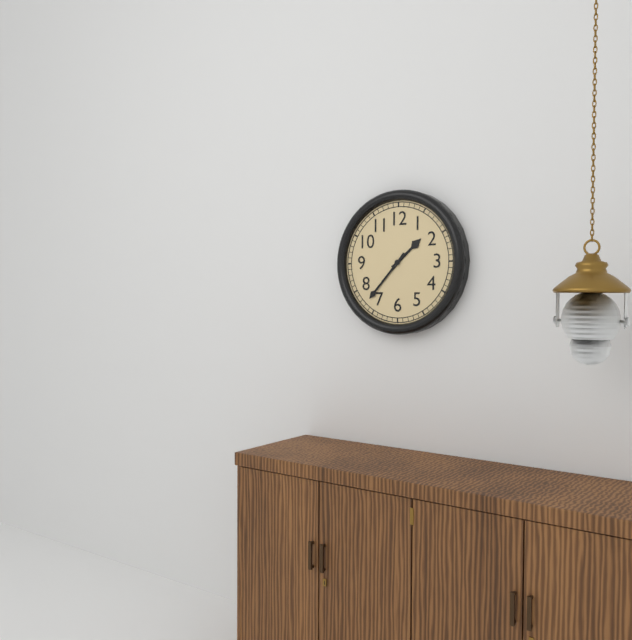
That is h=1 m=37
